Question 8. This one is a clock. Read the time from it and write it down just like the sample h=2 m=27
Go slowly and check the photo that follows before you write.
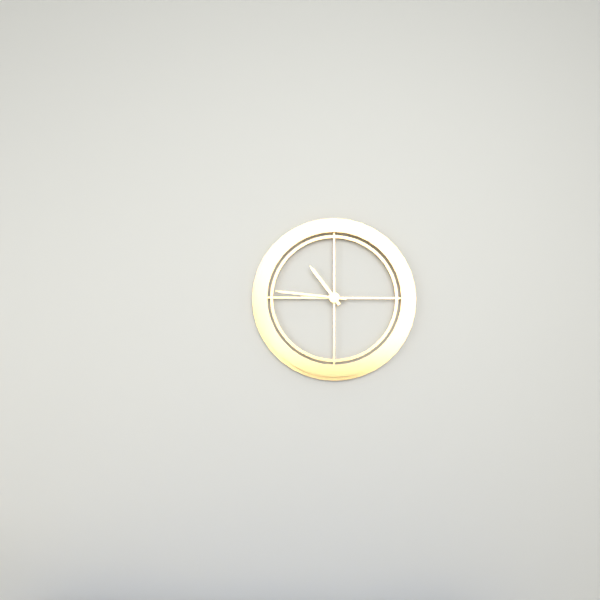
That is h=10 m=46
